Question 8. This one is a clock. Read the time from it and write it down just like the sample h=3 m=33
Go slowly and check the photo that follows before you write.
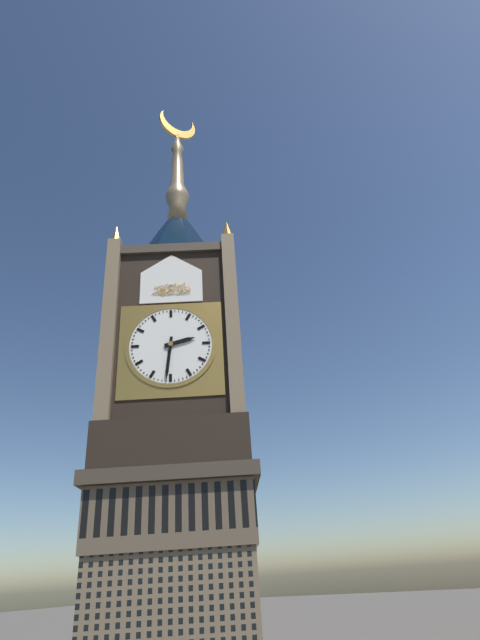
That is h=2 m=31
